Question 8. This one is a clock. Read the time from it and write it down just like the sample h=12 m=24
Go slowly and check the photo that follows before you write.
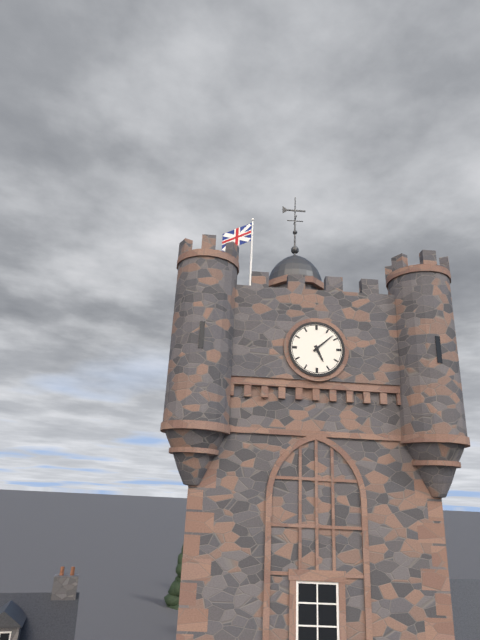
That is h=5 m=8
